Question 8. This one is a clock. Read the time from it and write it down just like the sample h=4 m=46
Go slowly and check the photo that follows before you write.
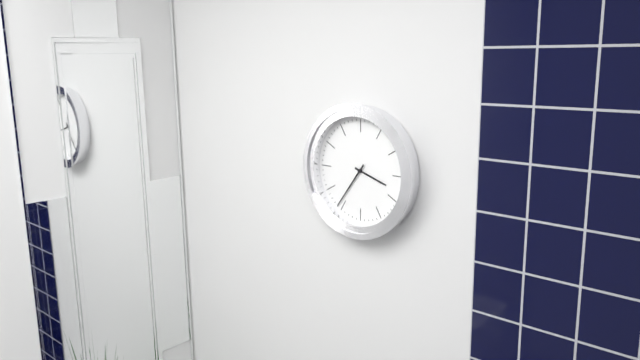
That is h=3 m=36
